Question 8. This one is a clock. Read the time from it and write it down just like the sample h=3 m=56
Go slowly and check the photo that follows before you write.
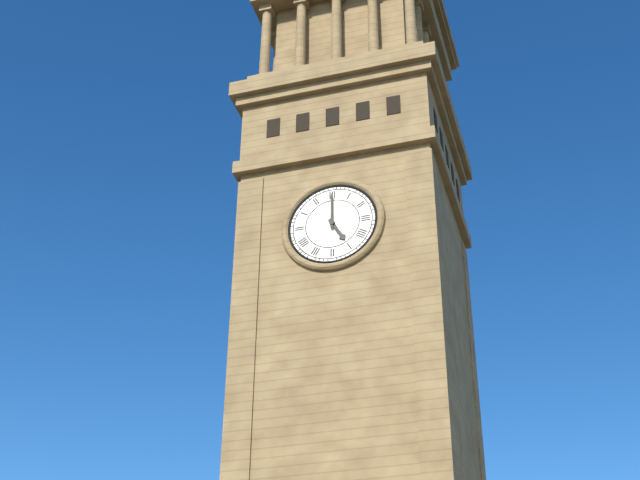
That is h=5 m=0
